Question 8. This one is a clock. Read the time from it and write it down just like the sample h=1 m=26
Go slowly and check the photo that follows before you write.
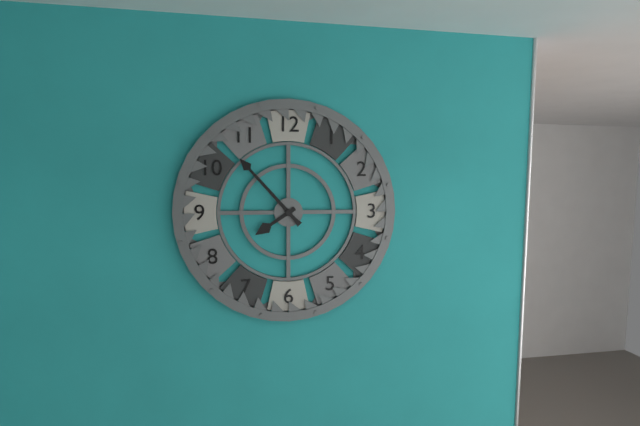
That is h=7 m=53
